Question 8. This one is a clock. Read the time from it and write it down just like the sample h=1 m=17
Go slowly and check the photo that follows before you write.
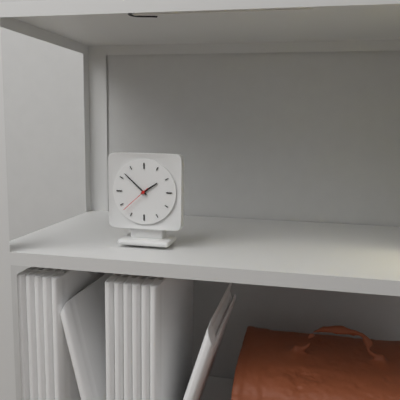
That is h=1 m=52
